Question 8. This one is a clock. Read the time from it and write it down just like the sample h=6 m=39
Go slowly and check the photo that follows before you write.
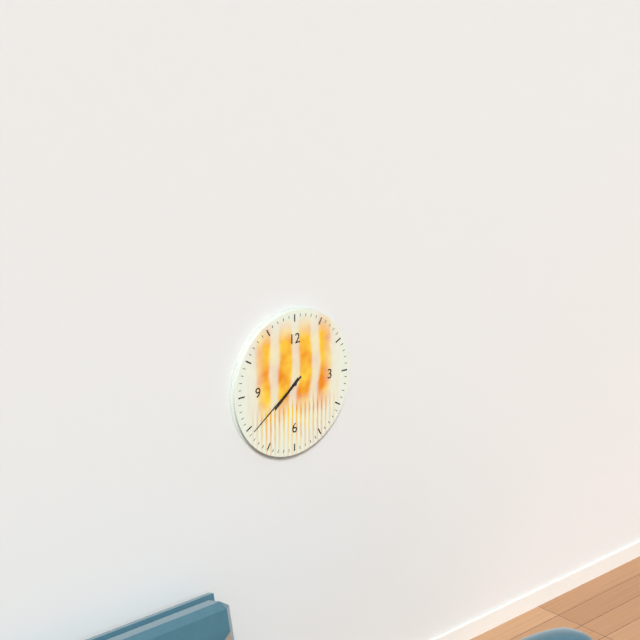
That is h=7 m=39
